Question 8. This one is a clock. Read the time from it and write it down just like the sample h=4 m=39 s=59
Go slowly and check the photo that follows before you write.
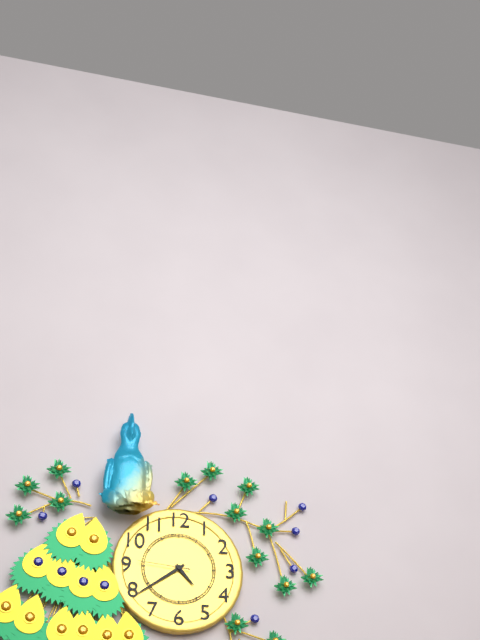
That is h=4 m=39 s=46
